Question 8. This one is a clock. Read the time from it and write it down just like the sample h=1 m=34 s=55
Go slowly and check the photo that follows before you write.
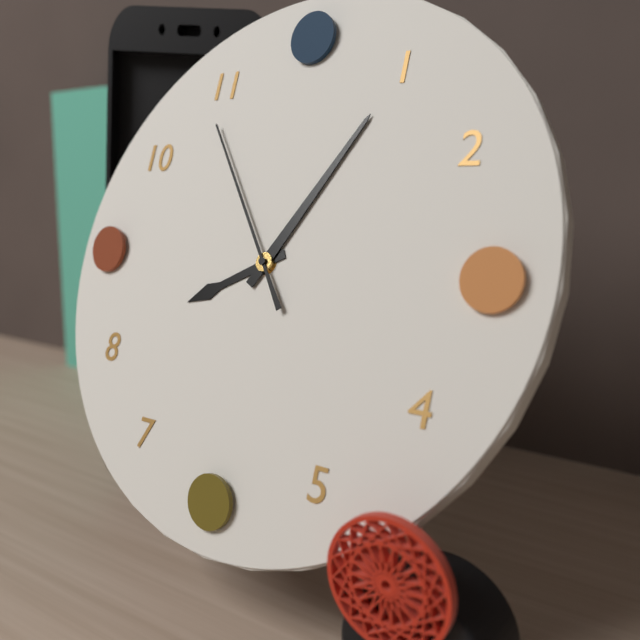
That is h=8 m=5 s=54
